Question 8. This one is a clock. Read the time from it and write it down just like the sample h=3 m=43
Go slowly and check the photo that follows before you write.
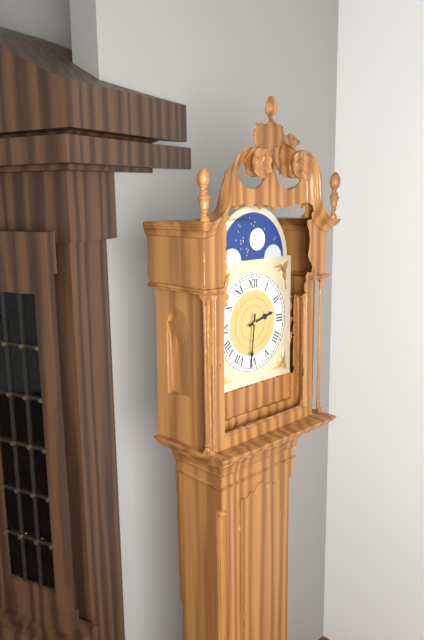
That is h=2 m=31
